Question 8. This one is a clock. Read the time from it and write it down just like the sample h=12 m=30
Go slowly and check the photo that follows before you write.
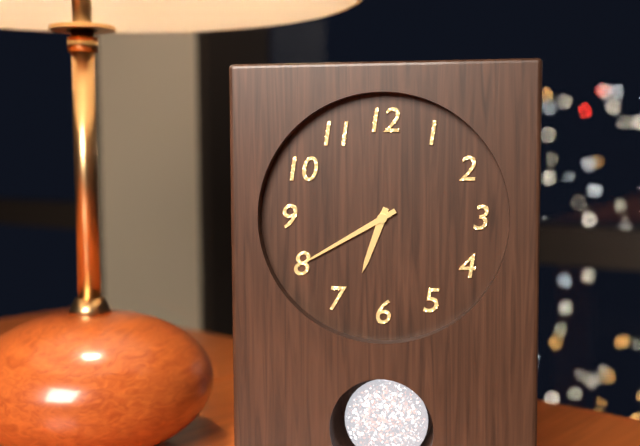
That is h=6 m=40
